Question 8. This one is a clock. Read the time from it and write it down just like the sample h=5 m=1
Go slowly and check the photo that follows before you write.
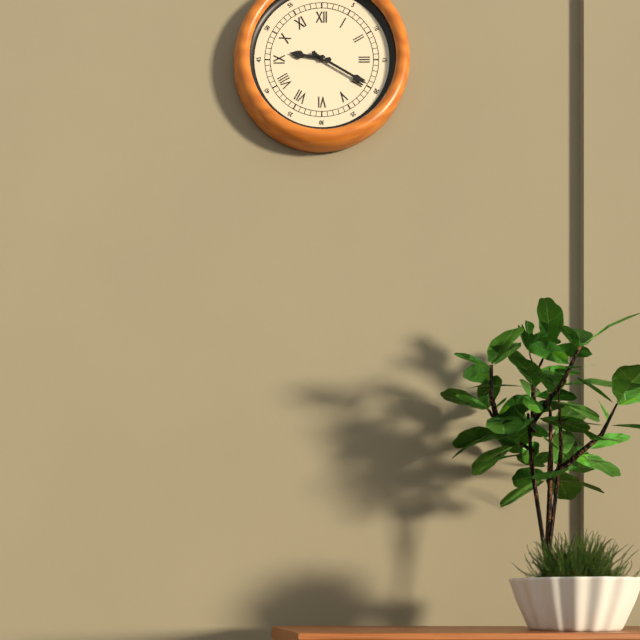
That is h=9 m=20
